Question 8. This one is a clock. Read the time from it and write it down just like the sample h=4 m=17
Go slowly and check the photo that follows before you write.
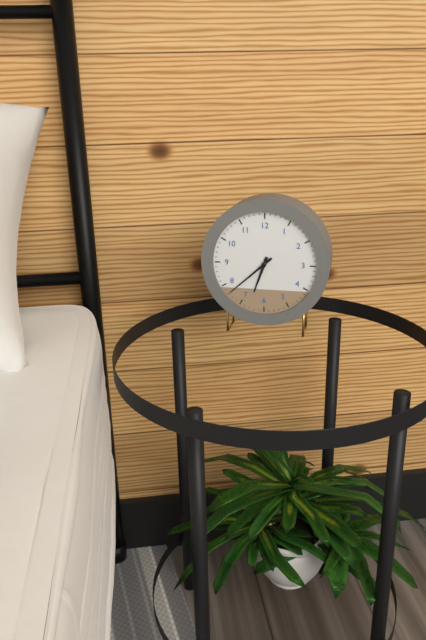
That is h=6 m=38
